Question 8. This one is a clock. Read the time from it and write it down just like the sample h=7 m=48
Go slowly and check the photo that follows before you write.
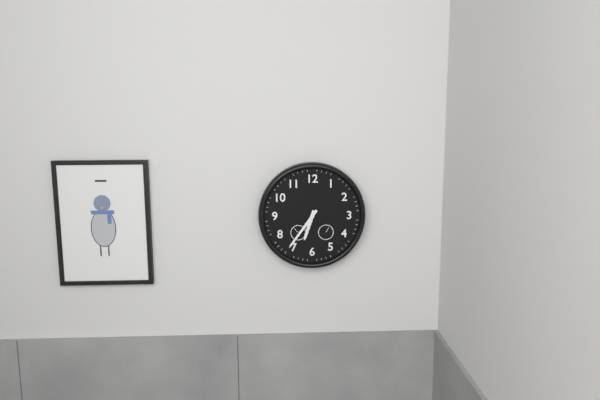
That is h=6 m=36
